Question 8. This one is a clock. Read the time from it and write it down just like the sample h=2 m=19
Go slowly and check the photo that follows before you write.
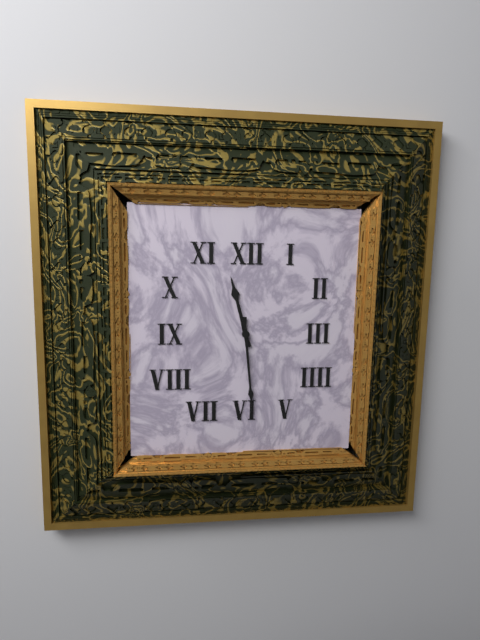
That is h=11 m=29
